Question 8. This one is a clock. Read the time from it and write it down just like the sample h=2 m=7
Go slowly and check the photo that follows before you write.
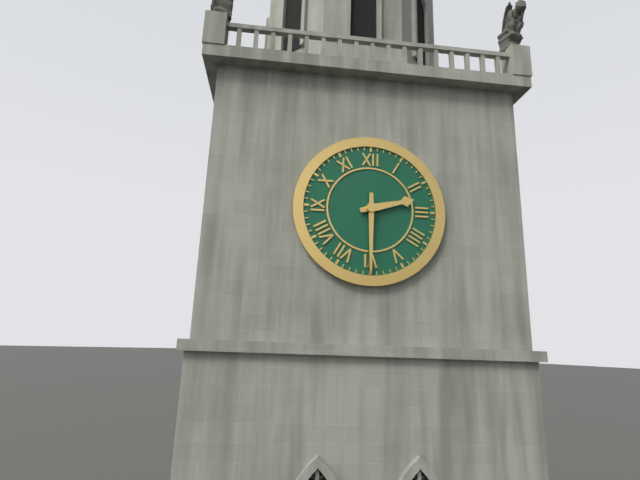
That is h=2 m=30
